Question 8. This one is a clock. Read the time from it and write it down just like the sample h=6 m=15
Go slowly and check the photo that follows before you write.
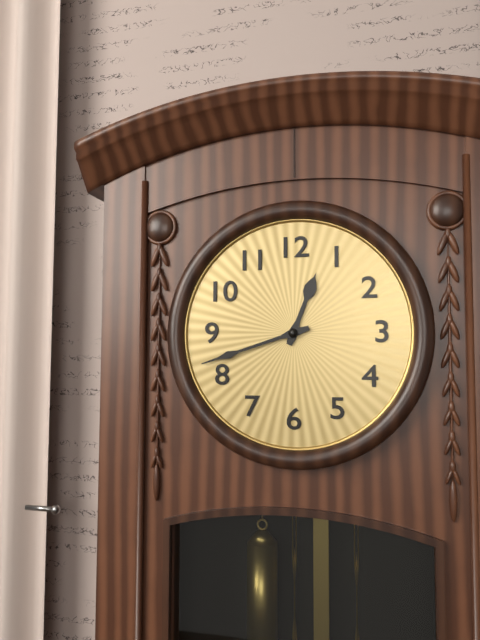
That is h=12 m=42
